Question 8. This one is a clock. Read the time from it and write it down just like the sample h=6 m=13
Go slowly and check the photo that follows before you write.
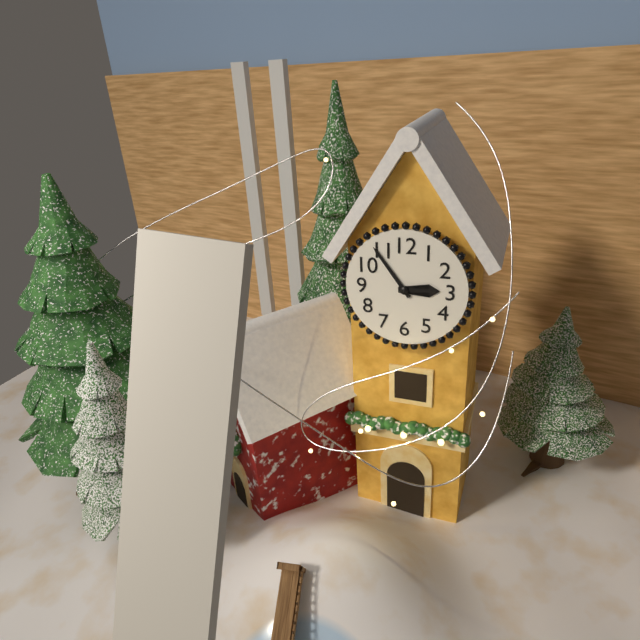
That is h=2 m=54
